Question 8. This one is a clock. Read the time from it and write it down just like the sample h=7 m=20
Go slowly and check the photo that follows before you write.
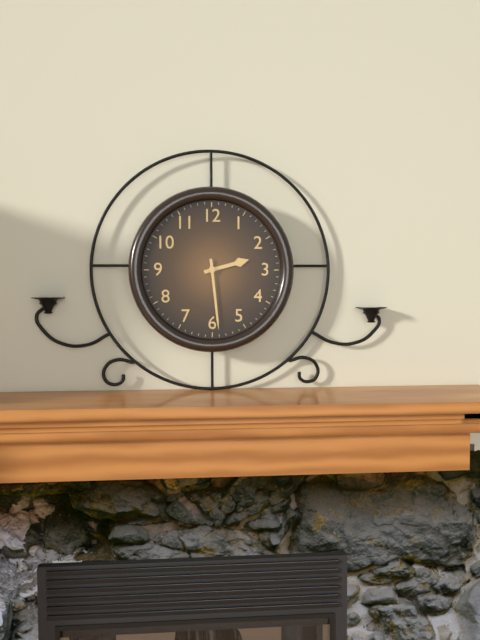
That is h=2 m=29
